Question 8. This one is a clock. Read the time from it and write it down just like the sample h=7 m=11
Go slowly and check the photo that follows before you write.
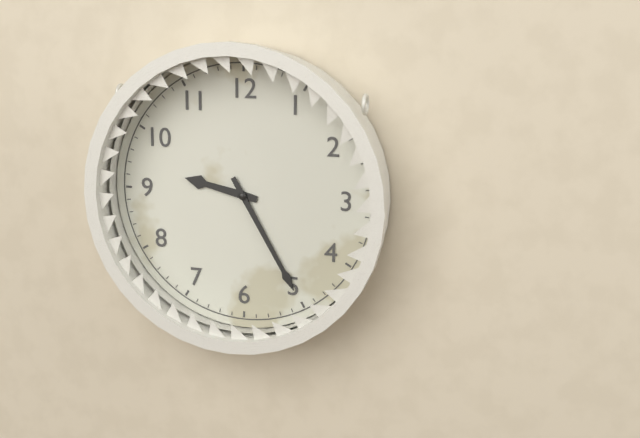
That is h=9 m=25
